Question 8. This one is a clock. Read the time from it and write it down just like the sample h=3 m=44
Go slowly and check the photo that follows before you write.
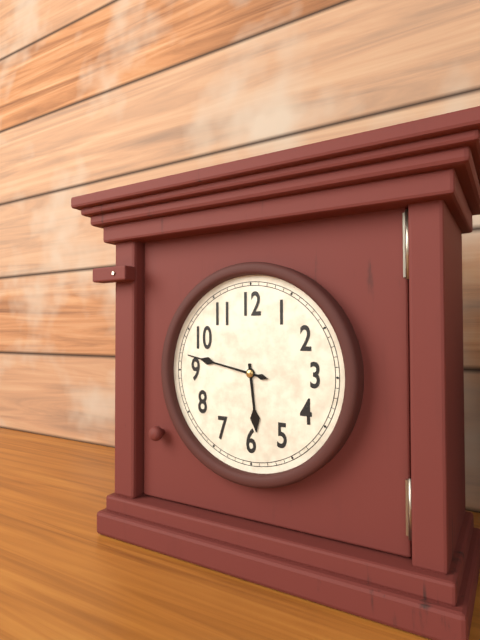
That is h=5 m=47
